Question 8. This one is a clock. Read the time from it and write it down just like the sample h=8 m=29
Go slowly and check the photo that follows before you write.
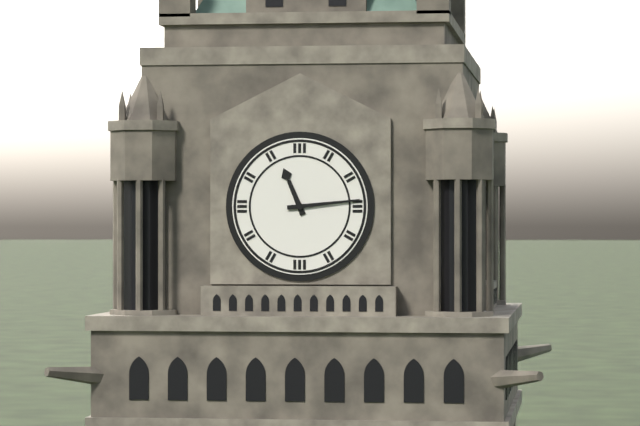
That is h=11 m=14
